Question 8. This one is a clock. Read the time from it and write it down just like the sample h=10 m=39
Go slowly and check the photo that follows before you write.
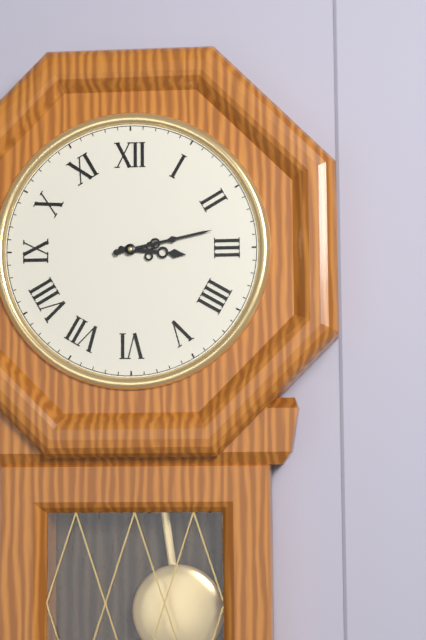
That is h=3 m=13
